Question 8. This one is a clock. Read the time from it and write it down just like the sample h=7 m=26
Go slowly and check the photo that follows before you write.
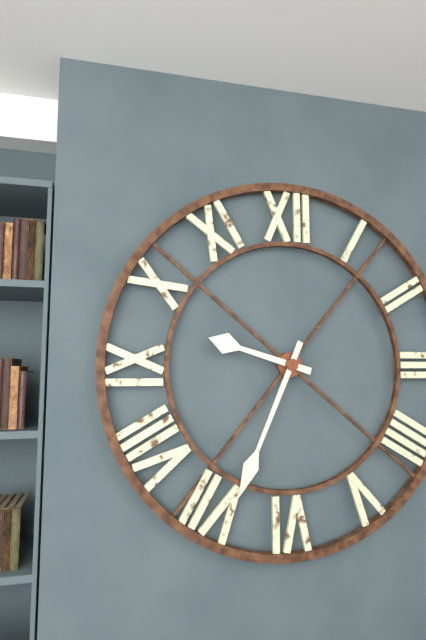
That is h=9 m=34
